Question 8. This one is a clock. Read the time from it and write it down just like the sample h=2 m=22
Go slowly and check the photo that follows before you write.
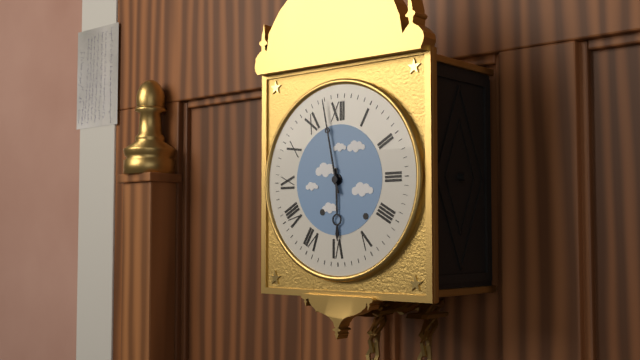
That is h=5 m=58
